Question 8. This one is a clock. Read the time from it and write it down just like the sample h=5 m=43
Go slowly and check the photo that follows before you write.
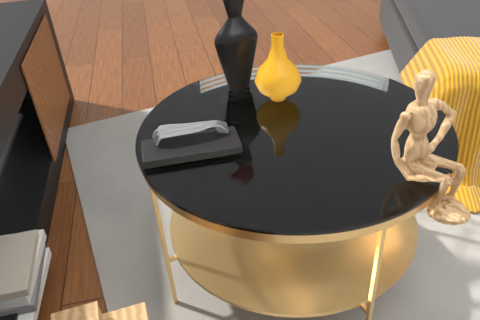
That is h=4 m=14
